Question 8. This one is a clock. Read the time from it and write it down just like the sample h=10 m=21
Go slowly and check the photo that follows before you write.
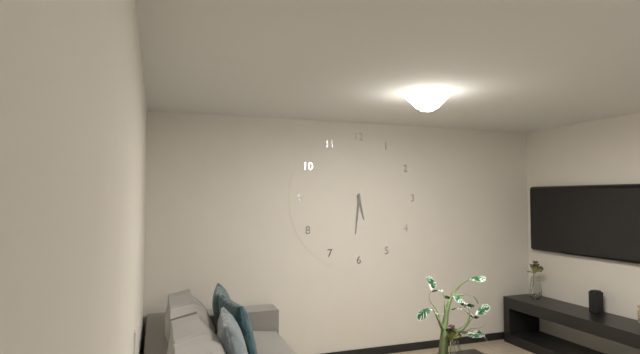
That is h=5 m=31
